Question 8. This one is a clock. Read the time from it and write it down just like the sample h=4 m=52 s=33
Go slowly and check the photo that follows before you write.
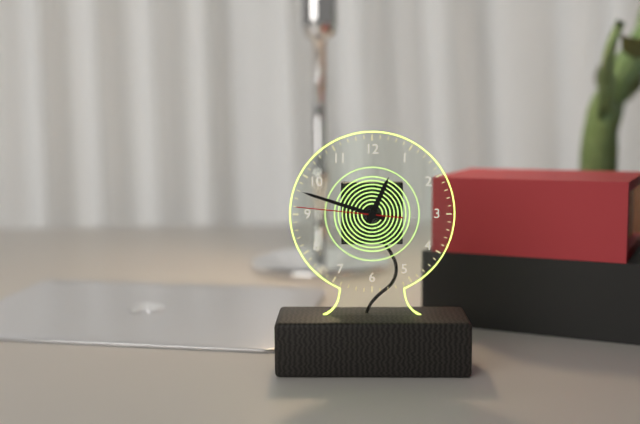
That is h=12 m=48 s=46
